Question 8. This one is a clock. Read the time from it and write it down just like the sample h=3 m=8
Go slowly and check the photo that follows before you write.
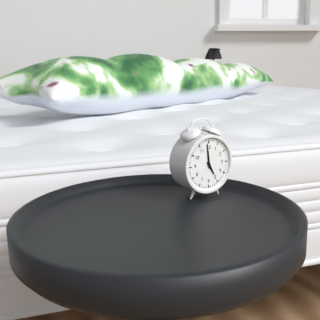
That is h=4 m=59
